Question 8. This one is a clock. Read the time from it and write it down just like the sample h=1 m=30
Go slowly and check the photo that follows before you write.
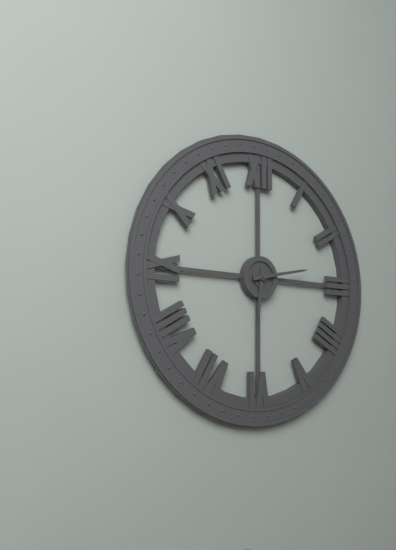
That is h=6 m=13
